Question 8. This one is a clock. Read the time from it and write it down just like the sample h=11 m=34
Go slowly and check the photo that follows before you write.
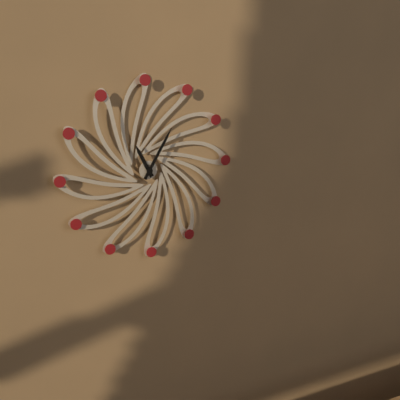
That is h=11 m=5
